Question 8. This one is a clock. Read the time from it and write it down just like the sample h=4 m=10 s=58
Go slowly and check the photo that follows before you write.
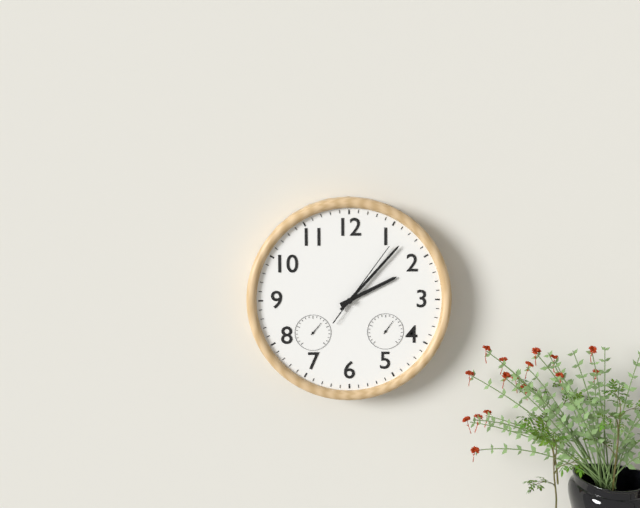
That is h=2 m=7 s=6
